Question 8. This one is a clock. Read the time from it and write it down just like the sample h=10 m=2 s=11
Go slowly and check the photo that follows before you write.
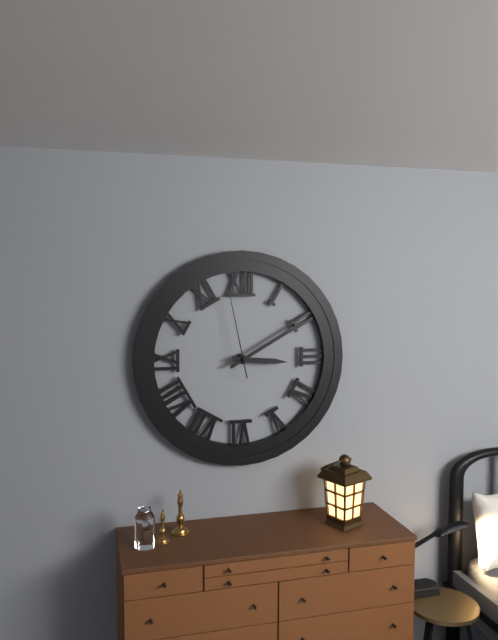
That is h=3 m=10 s=58
